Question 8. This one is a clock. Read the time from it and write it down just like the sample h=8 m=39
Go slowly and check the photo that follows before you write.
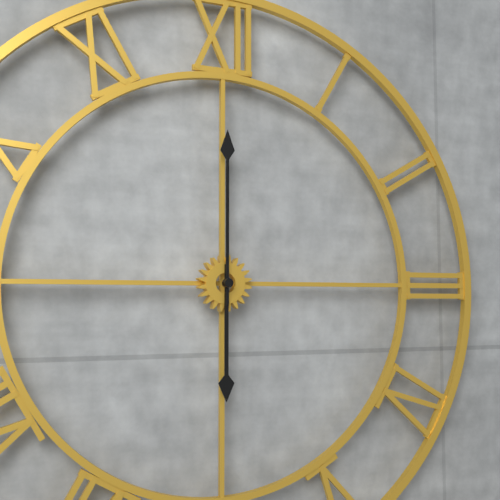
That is h=6 m=0
